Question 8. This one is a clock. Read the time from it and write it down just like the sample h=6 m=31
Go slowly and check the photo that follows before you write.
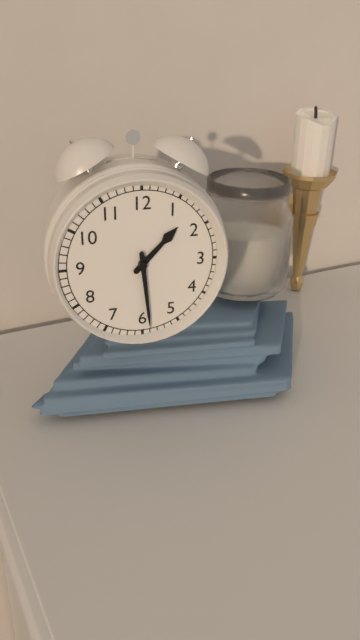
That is h=1 m=29
